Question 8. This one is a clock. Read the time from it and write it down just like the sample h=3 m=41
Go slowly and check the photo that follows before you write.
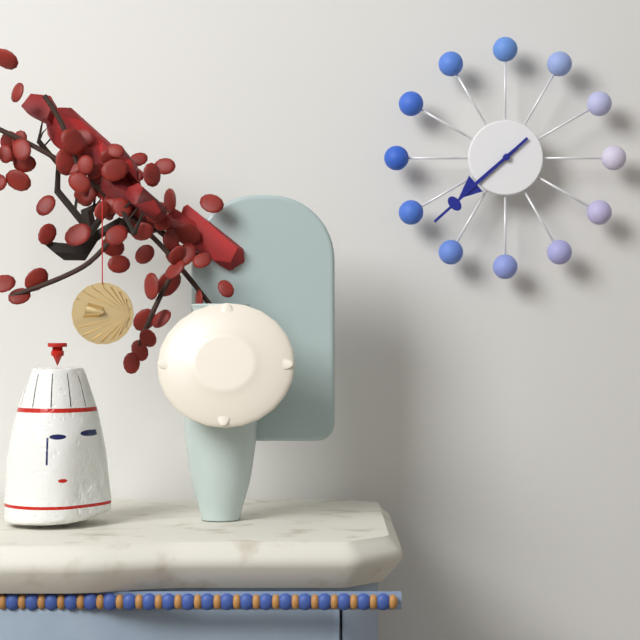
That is h=7 m=38
